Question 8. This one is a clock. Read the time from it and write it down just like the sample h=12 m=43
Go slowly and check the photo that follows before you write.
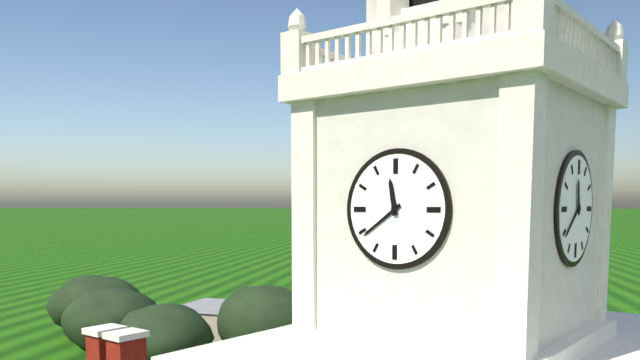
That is h=11 m=39
